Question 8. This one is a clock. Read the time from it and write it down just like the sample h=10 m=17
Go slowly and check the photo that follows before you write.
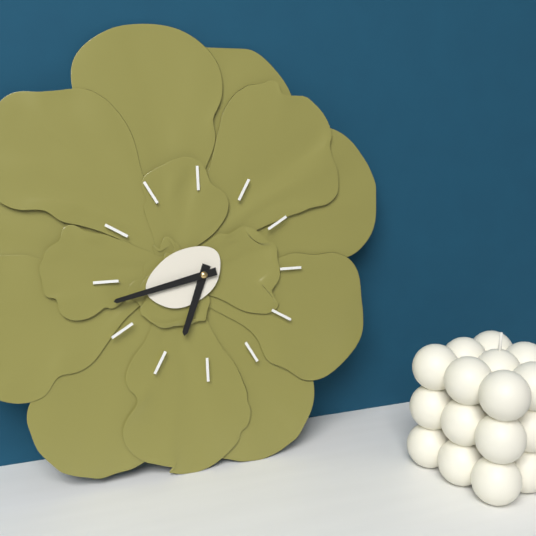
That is h=6 m=43
